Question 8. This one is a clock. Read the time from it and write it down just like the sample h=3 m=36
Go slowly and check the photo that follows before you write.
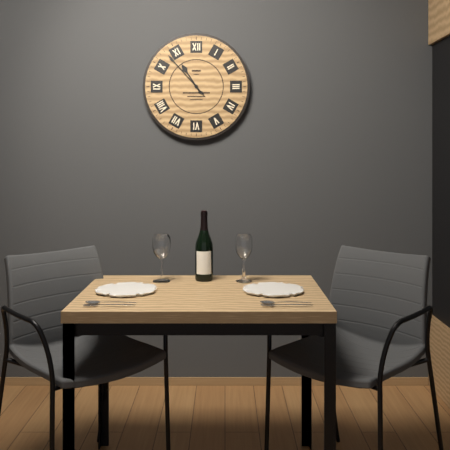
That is h=10 m=53
